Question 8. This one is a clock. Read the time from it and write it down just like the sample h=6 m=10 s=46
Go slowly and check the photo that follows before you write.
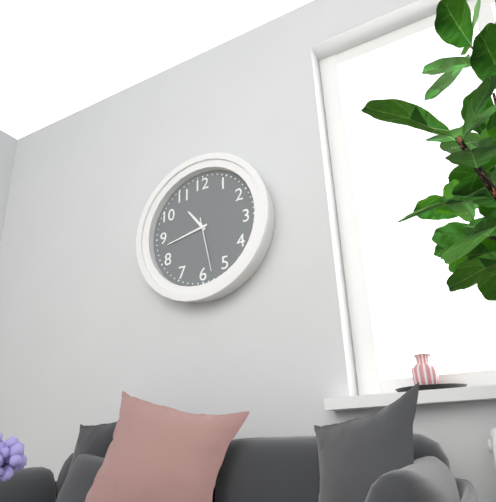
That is h=10 m=43 s=28
